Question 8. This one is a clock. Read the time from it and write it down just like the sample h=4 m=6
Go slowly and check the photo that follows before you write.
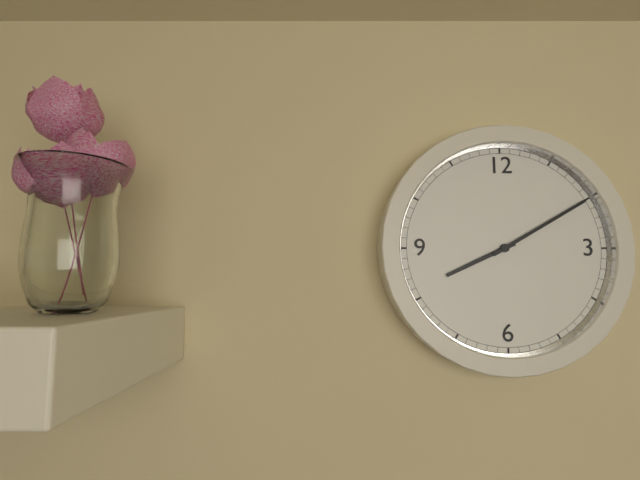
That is h=8 m=10
